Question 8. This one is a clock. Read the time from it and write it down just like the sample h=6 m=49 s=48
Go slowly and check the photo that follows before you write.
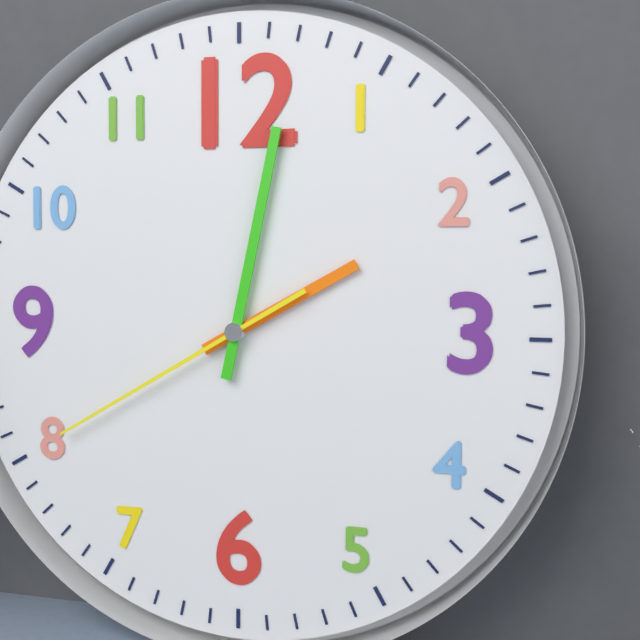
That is h=2 m=2 s=40
